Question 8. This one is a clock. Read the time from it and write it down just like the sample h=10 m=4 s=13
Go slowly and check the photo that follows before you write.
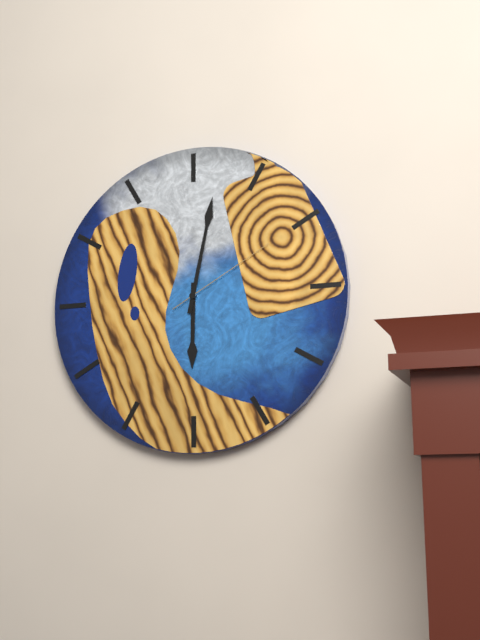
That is h=6 m=2 s=10
